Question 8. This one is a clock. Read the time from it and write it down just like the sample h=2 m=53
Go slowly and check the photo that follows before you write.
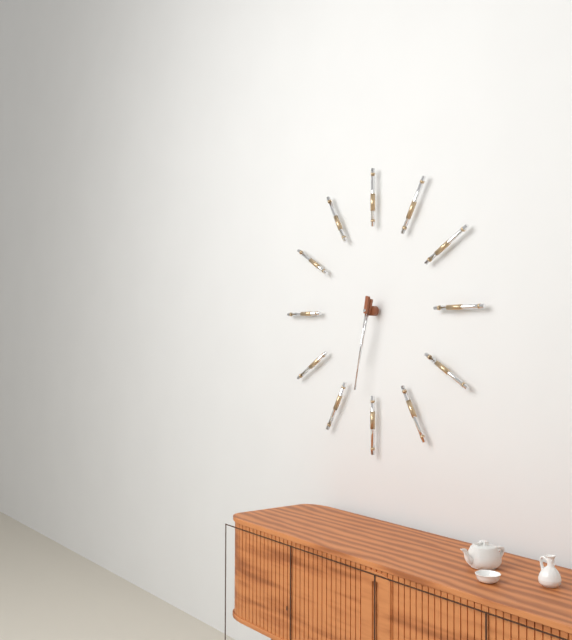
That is h=6 m=32
